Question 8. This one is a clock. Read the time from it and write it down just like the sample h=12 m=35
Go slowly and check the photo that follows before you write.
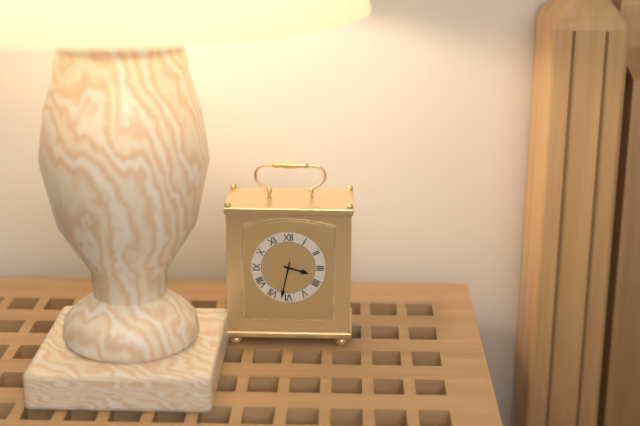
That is h=3 m=32
